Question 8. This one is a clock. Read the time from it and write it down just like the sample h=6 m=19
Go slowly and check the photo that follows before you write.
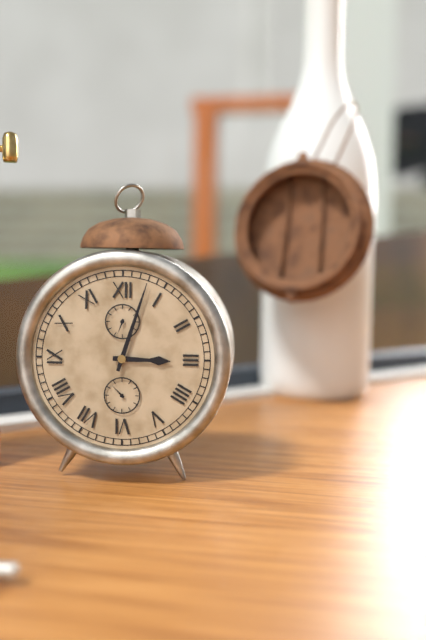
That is h=3 m=3
